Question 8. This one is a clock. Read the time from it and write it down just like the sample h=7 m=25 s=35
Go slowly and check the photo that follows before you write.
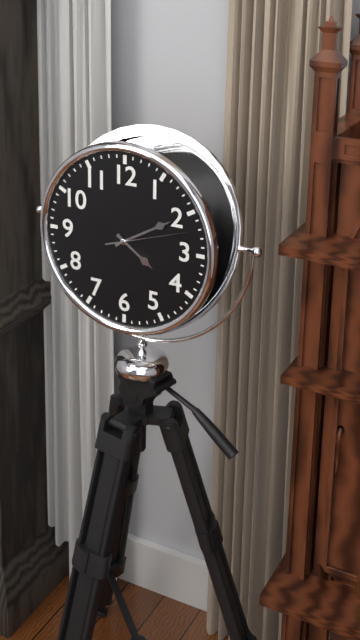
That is h=4 m=10 s=12
